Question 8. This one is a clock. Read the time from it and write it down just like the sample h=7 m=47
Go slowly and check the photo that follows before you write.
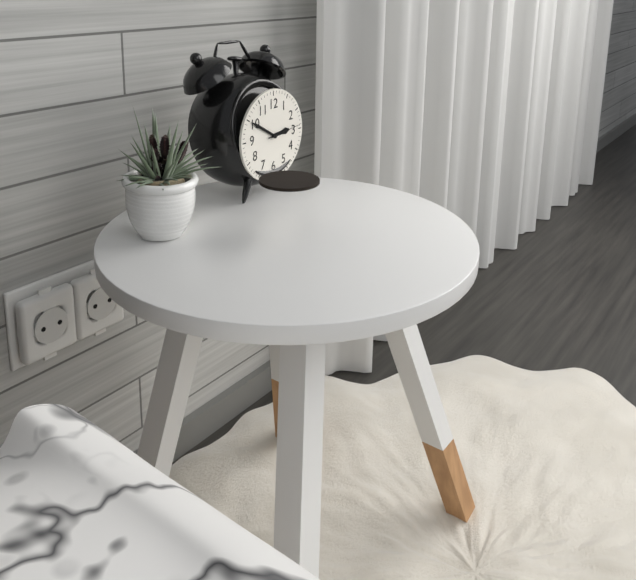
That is h=2 m=50
